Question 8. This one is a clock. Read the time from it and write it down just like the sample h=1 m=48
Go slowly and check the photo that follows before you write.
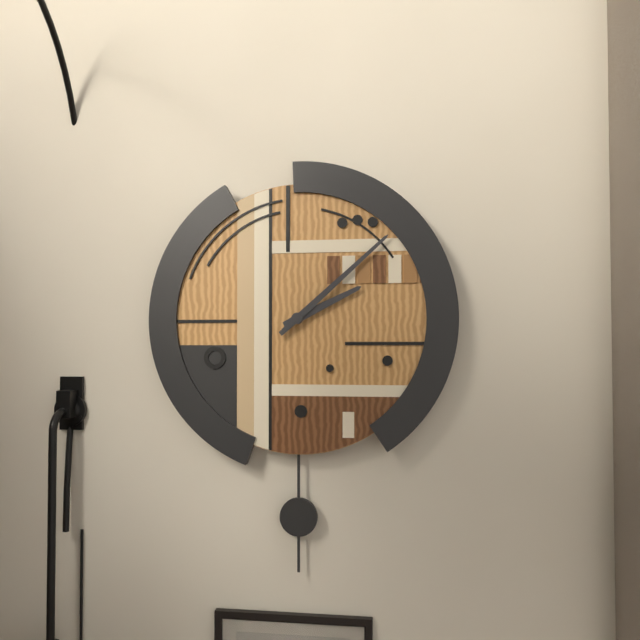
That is h=2 m=8
